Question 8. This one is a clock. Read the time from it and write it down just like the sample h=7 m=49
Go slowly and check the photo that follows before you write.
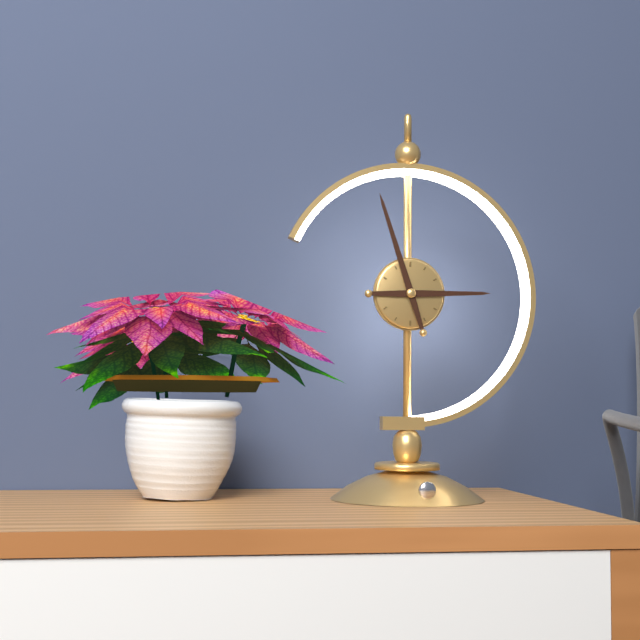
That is h=2 m=57
